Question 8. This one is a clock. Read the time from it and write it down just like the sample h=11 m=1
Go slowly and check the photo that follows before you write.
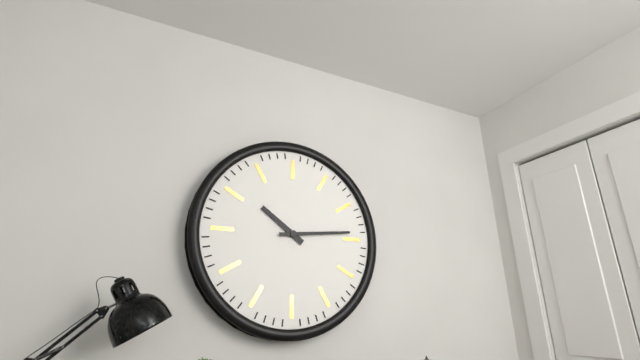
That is h=10 m=14
